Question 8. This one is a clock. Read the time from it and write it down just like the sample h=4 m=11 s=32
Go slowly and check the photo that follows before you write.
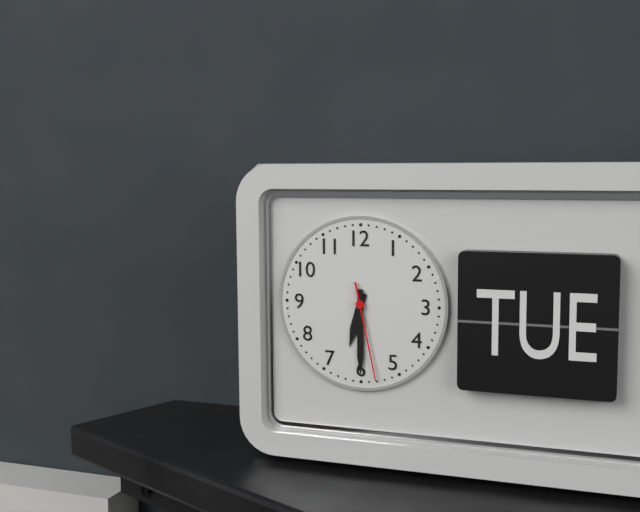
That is h=6 m=30 s=28
